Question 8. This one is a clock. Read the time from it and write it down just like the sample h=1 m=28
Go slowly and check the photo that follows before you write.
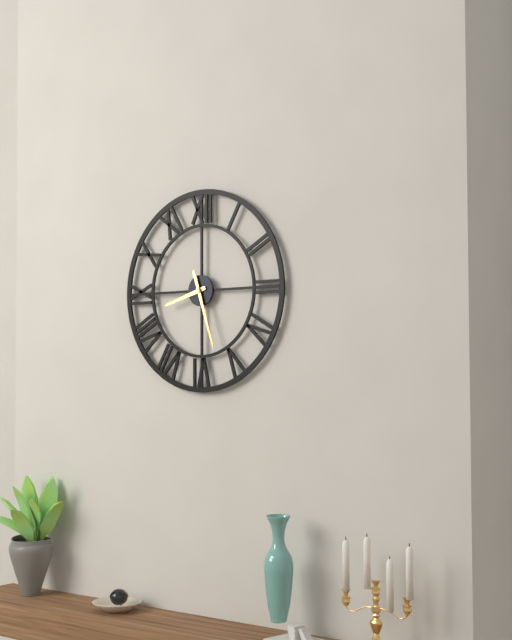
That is h=8 m=27
